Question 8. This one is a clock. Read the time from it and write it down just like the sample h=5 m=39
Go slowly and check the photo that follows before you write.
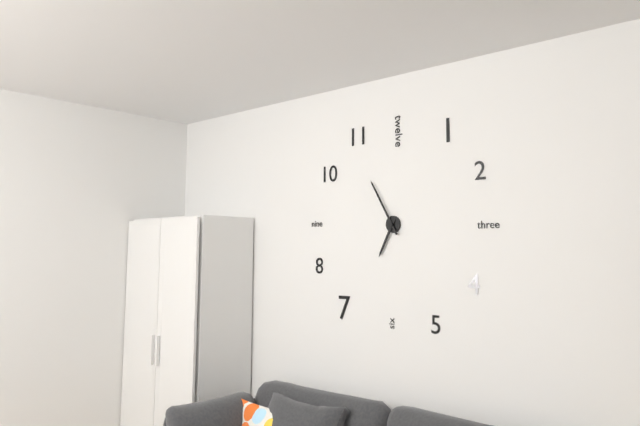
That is h=6 m=55
